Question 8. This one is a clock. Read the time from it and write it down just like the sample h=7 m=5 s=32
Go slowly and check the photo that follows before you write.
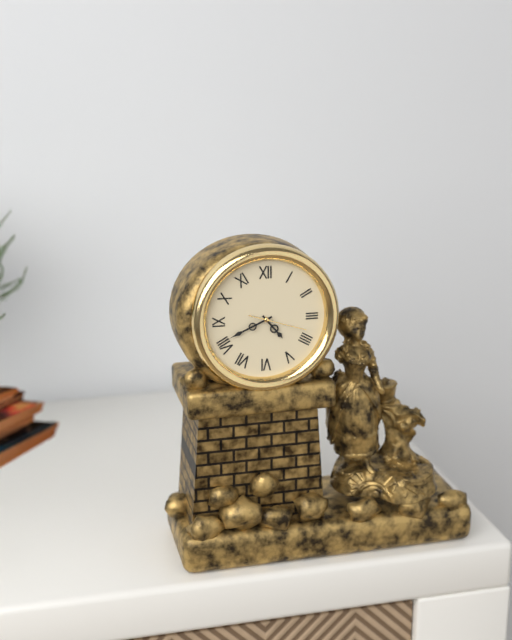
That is h=4 m=41 s=18
